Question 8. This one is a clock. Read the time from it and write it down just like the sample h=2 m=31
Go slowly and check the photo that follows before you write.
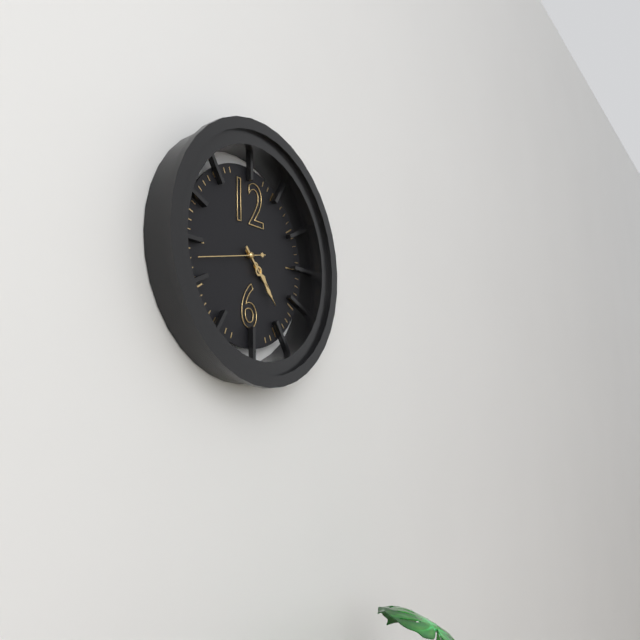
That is h=4 m=23
